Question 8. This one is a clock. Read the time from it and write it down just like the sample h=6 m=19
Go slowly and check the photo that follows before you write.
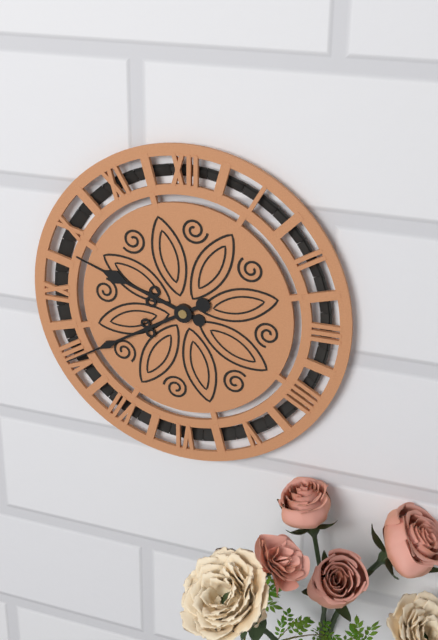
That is h=9 m=40
